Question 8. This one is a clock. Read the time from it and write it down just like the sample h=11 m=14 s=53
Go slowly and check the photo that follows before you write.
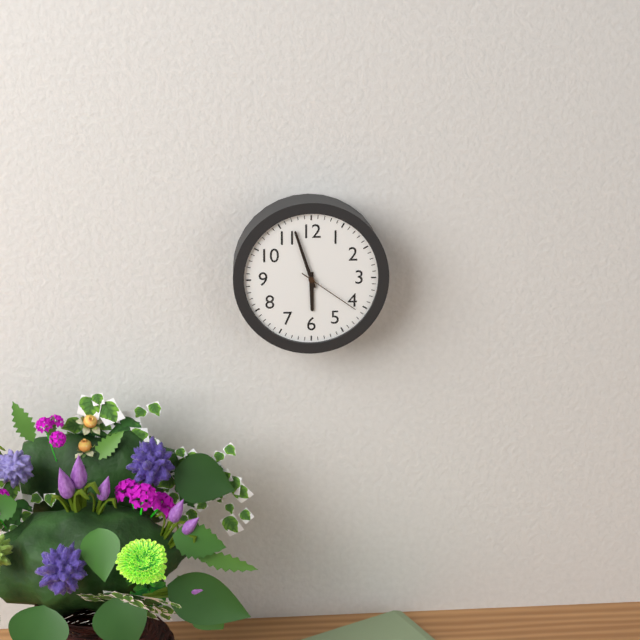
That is h=5 m=57 s=21
